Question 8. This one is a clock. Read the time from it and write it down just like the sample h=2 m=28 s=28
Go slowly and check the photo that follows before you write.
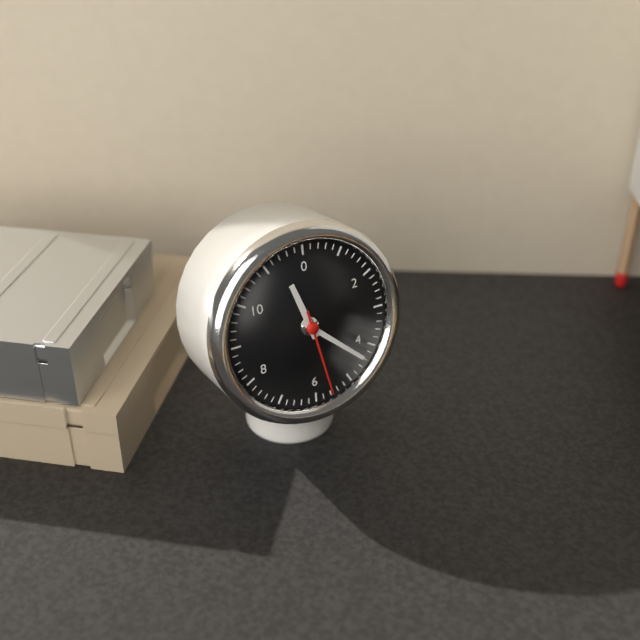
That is h=11 m=22 s=28
